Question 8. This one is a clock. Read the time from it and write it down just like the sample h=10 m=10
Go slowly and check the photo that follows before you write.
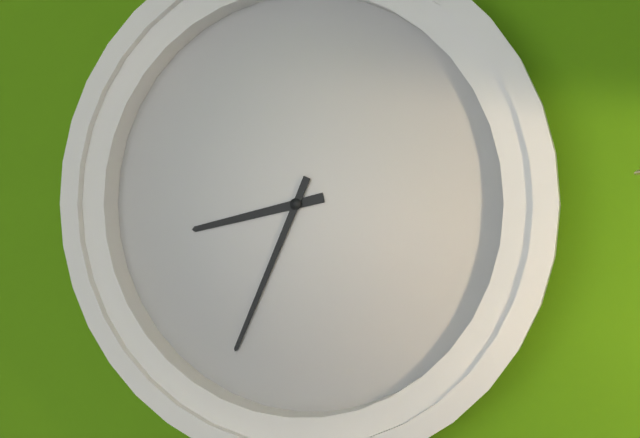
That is h=8 m=34
